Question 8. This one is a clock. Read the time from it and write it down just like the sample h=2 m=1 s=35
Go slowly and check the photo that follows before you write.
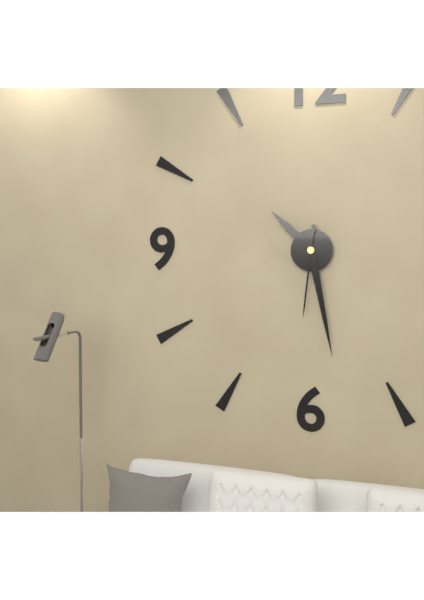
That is h=10 m=28 s=31
